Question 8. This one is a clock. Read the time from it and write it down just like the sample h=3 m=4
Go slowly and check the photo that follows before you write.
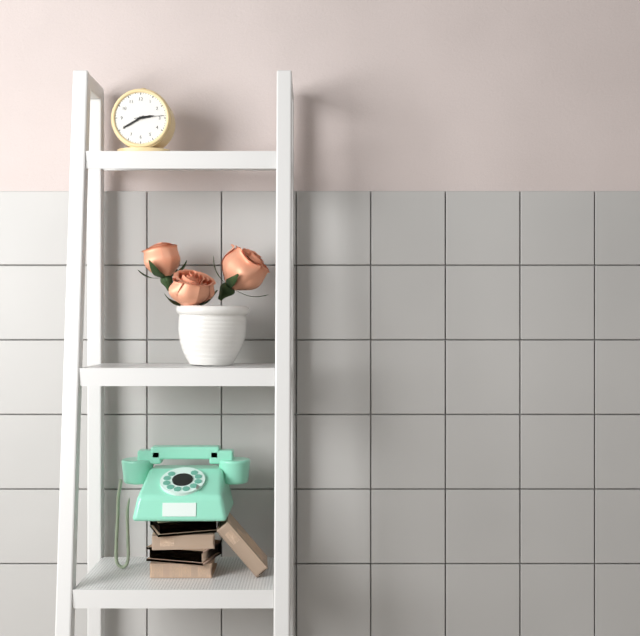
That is h=2 m=40
